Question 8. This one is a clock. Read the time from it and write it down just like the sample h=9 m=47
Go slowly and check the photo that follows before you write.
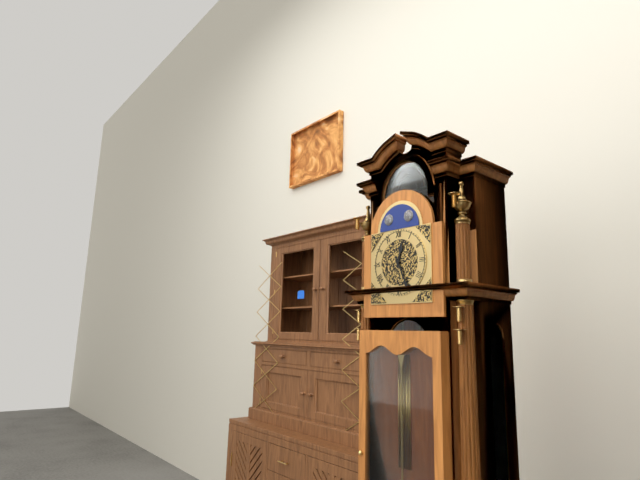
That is h=12 m=26
